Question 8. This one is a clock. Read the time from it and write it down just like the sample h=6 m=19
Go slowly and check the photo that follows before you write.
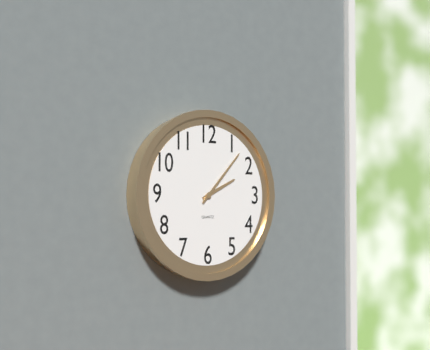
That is h=2 m=7
